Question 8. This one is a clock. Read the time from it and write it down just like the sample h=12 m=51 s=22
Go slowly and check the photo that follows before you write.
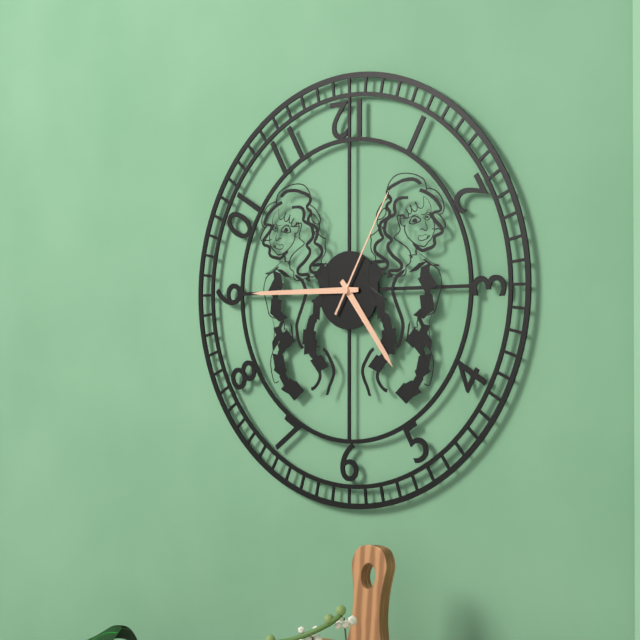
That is h=4 m=45 s=5
